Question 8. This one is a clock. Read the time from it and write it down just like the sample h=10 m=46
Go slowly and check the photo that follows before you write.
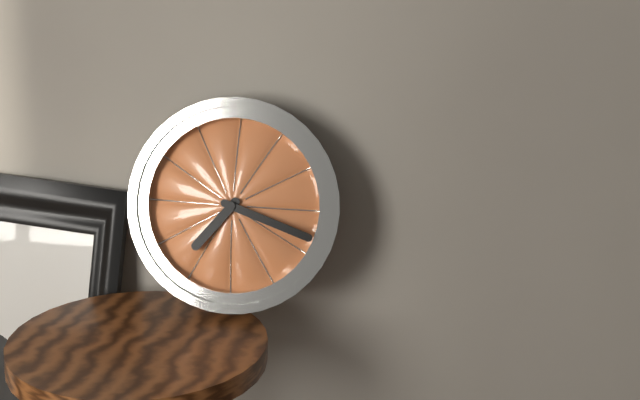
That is h=7 m=18
